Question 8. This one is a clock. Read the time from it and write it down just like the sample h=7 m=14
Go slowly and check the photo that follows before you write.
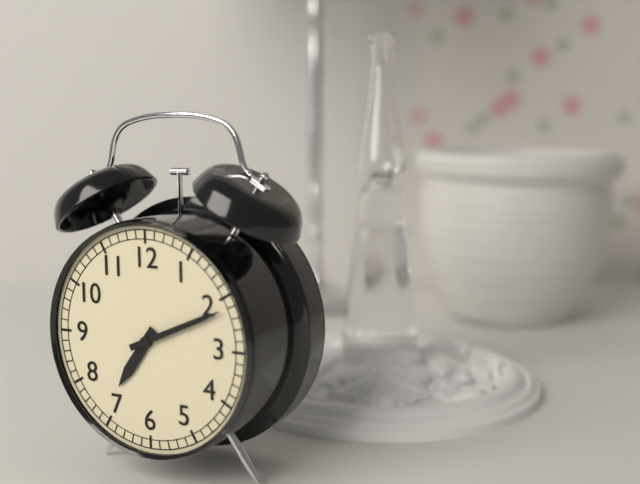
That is h=7 m=11
